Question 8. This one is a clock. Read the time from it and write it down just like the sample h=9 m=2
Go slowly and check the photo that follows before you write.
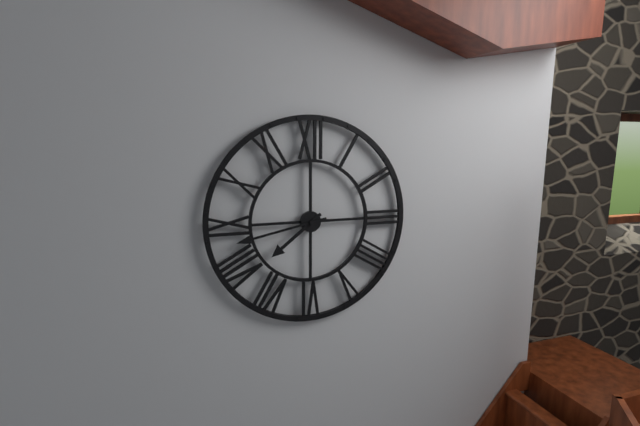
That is h=7 m=43
